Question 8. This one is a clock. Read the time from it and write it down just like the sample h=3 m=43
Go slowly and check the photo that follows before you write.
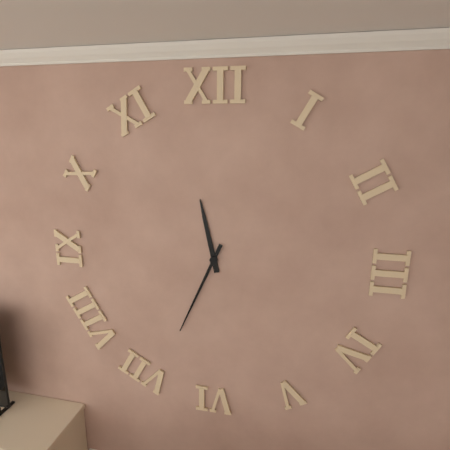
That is h=11 m=34
